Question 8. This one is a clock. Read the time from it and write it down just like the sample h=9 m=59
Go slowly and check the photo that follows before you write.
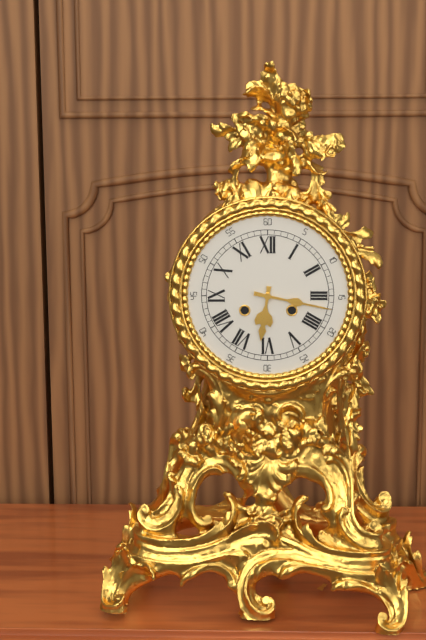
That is h=6 m=17
